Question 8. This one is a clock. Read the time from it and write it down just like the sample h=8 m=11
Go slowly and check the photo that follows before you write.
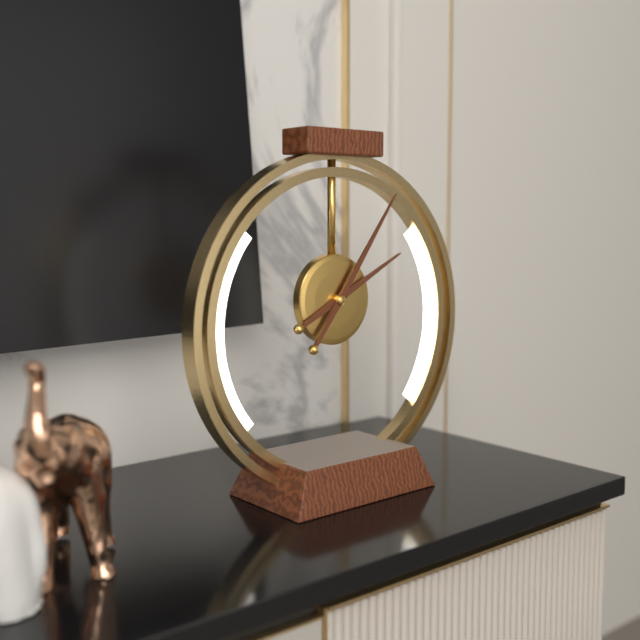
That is h=2 m=6
